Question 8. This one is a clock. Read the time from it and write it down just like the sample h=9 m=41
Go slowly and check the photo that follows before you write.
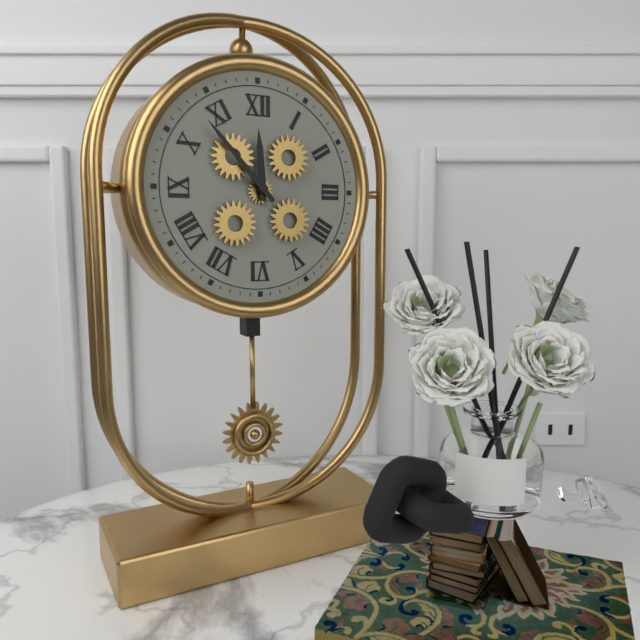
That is h=11 m=53
